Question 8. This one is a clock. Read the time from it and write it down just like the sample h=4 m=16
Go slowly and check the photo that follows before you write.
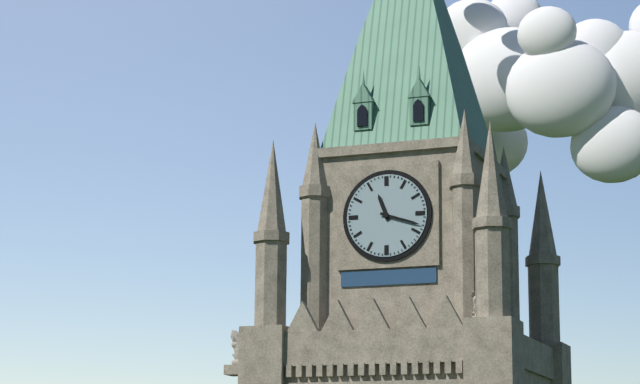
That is h=11 m=18
